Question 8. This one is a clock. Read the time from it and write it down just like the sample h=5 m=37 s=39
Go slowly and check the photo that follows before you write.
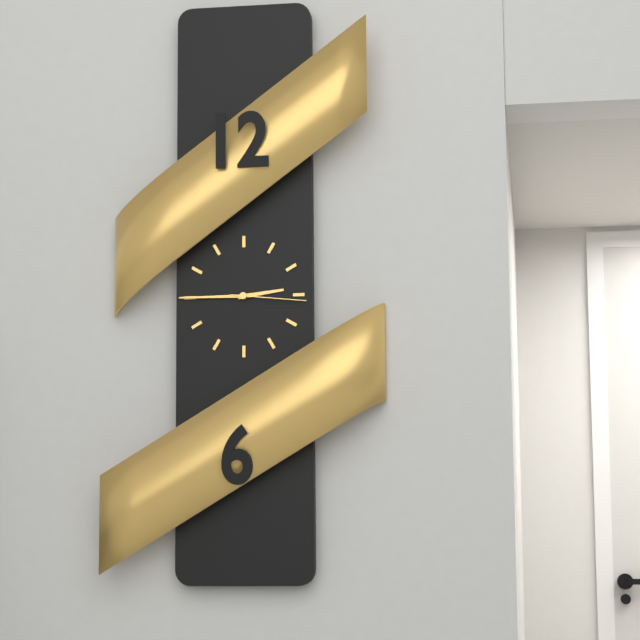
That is h=2 m=45 s=16
